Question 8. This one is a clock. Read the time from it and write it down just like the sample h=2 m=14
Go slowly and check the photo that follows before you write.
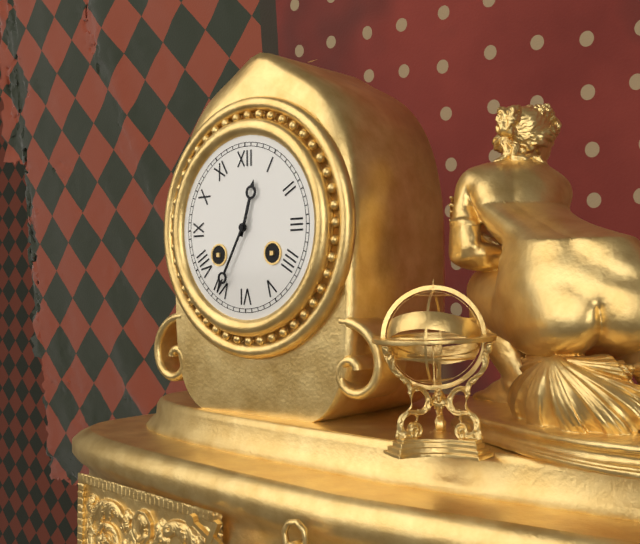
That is h=12 m=35
